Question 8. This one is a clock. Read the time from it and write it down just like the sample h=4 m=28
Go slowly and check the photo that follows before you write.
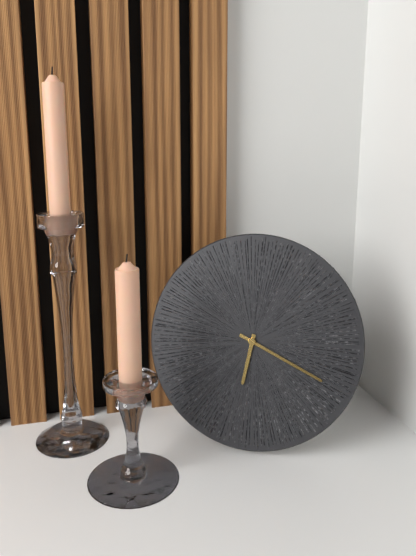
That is h=6 m=19
